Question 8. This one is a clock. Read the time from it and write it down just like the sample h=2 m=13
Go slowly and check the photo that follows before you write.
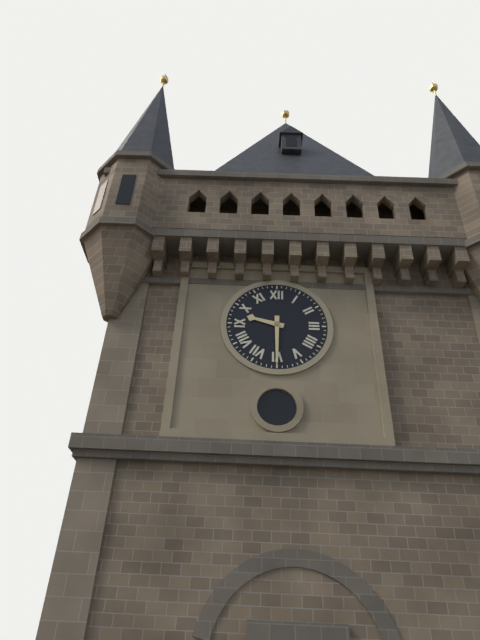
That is h=9 m=30
